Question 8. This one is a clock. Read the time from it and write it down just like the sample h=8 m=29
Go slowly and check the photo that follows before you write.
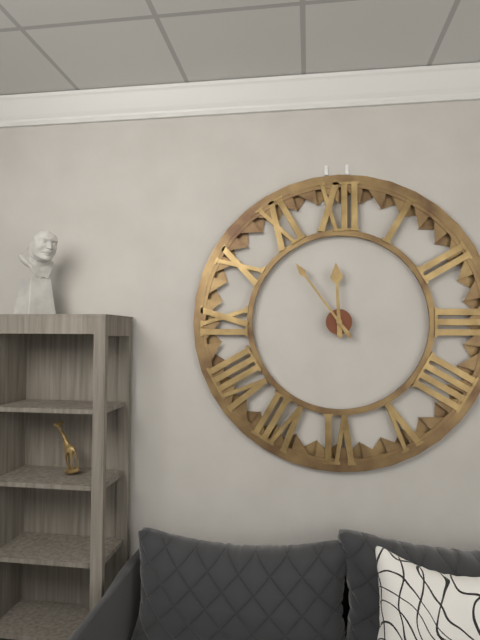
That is h=11 m=54
